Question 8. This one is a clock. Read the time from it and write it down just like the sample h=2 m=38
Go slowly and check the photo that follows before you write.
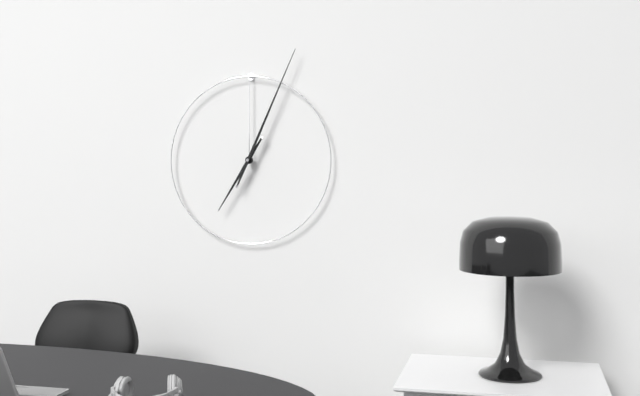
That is h=7 m=4
